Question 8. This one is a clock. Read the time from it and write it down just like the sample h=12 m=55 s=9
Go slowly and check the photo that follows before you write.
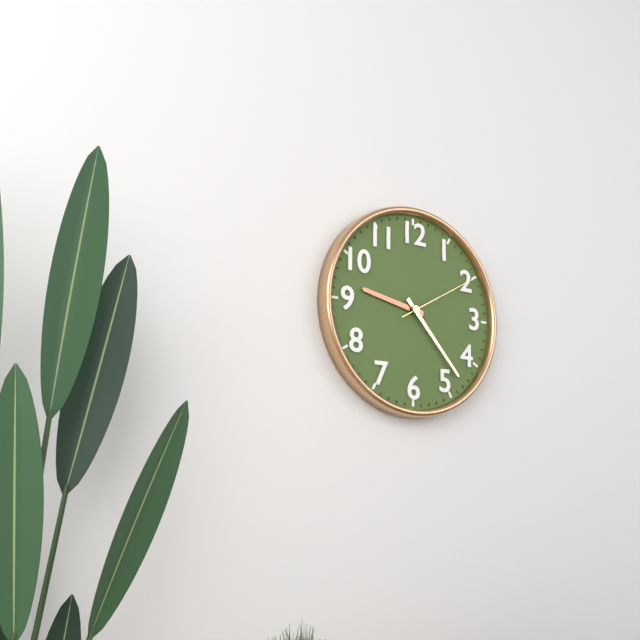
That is h=9 m=23 s=10
